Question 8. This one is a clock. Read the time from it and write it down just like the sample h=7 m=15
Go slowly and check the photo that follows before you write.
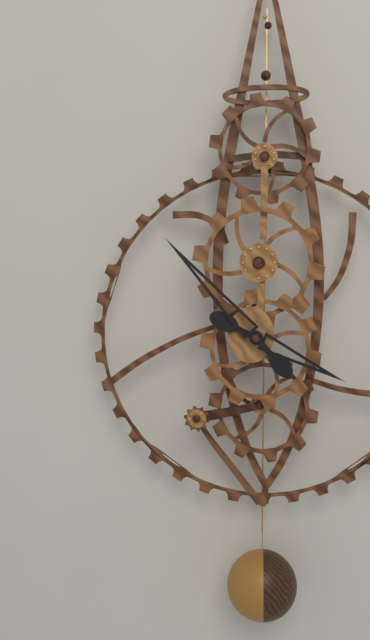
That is h=3 m=53
